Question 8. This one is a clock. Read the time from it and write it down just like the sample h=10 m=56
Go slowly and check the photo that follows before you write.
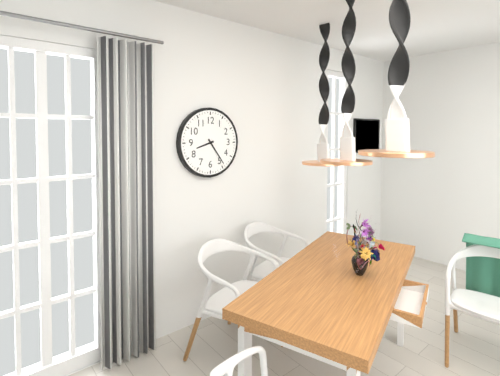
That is h=8 m=24
